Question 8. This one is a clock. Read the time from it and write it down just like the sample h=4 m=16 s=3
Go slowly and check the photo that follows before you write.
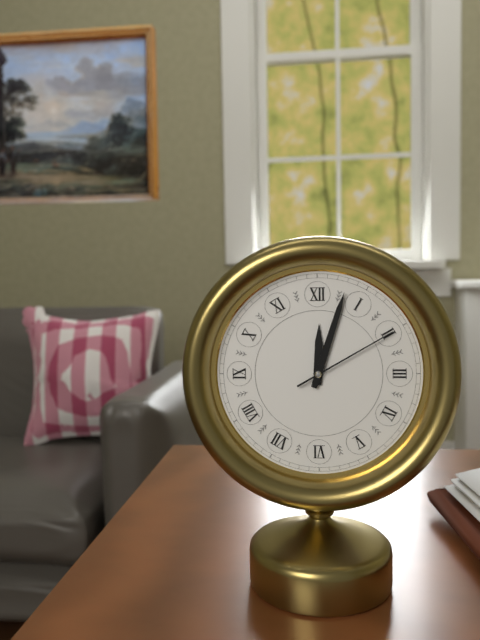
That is h=12 m=3 s=10
